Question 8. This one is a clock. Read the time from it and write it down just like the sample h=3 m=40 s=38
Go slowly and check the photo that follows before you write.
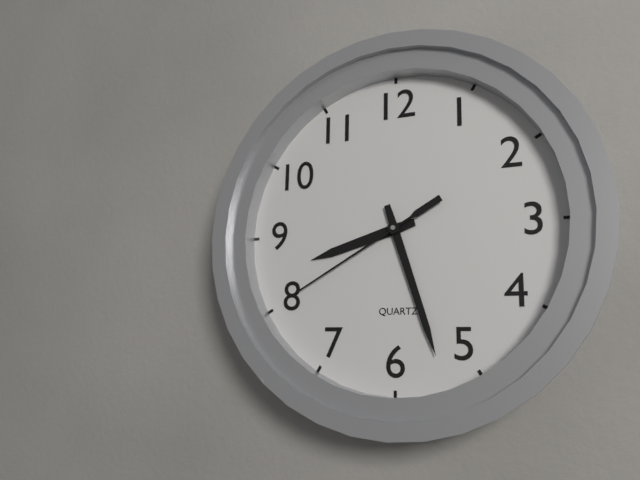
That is h=8 m=27 s=40
